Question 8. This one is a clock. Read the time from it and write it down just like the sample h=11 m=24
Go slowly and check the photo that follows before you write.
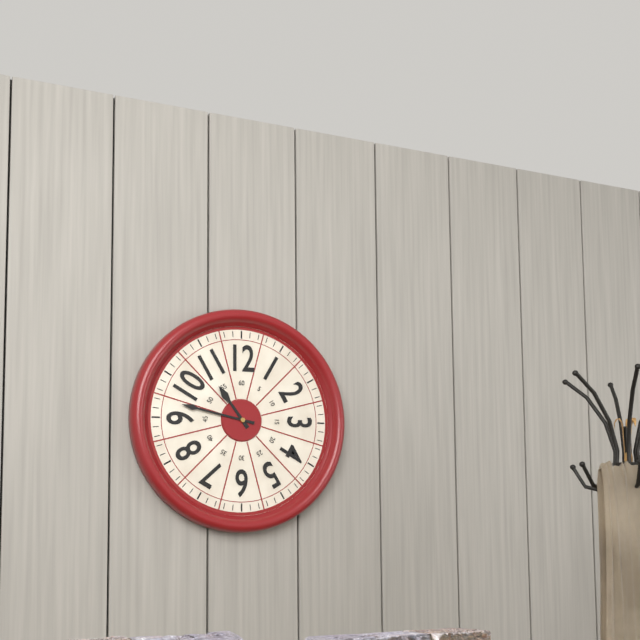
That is h=10 m=47
